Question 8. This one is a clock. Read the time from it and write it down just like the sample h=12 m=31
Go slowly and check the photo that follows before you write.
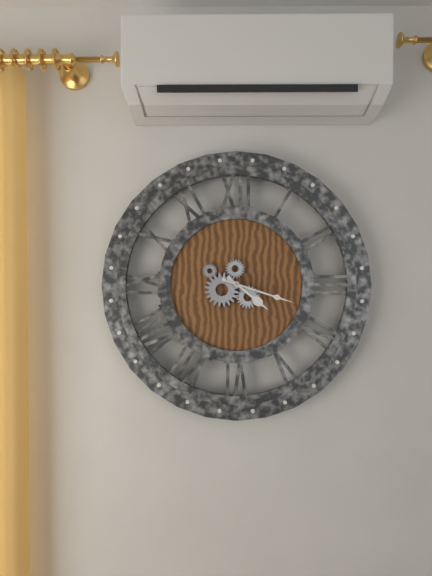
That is h=4 m=18
